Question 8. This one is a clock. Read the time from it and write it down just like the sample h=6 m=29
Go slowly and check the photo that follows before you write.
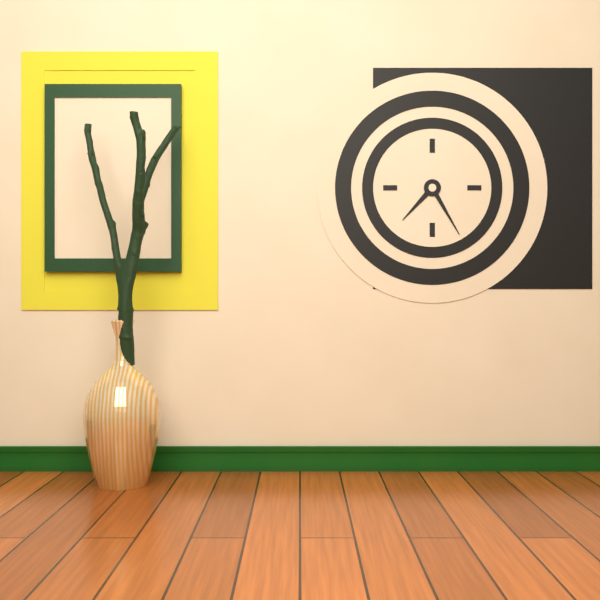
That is h=7 m=25
